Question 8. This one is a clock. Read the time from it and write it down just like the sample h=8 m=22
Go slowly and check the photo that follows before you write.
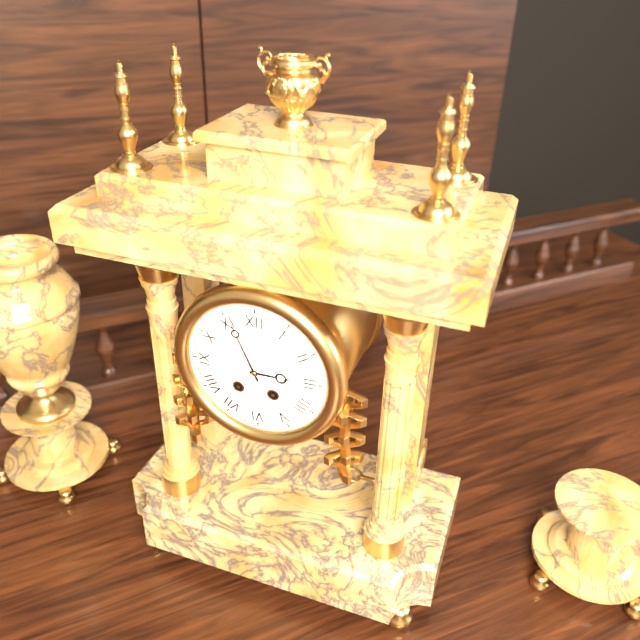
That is h=2 m=56
